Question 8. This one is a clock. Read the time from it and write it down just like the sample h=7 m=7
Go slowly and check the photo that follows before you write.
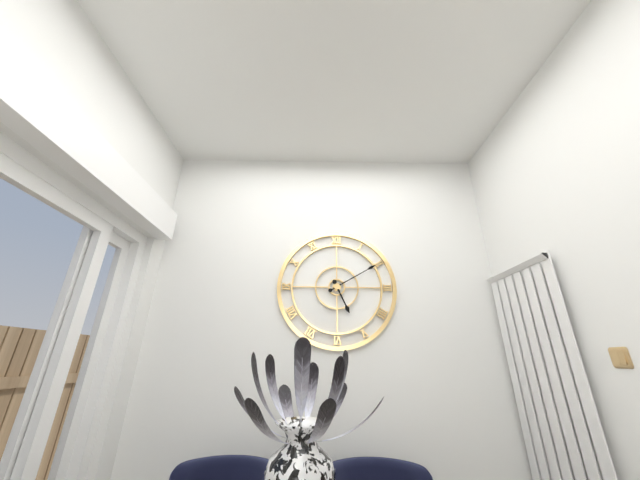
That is h=5 m=10
